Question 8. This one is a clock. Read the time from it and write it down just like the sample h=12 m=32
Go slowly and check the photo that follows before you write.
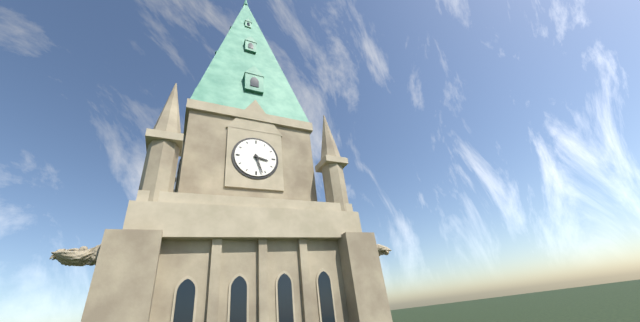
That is h=3 m=27
